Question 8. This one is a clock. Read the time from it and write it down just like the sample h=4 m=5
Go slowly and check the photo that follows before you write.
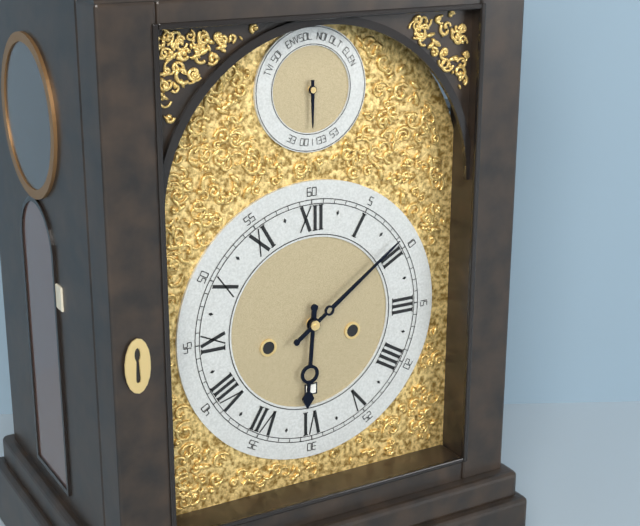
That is h=6 m=9
